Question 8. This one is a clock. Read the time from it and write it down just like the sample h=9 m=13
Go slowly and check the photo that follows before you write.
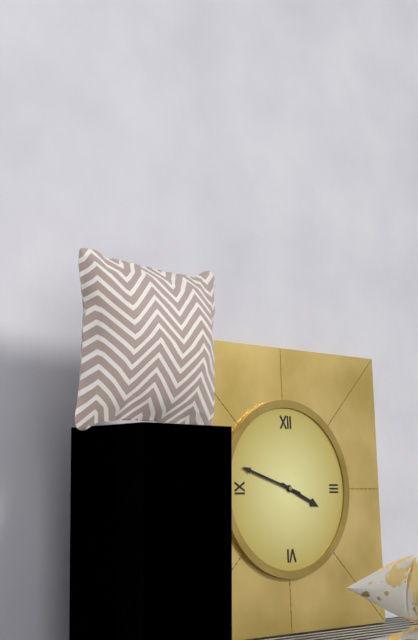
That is h=3 m=48
